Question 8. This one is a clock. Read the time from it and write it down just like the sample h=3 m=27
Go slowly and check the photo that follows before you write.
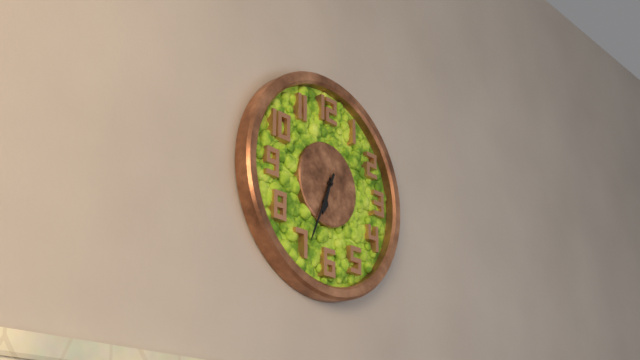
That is h=6 m=34
